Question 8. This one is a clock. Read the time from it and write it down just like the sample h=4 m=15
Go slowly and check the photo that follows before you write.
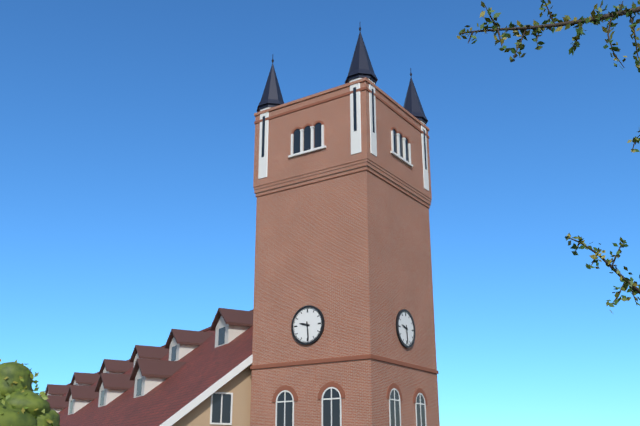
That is h=9 m=29
